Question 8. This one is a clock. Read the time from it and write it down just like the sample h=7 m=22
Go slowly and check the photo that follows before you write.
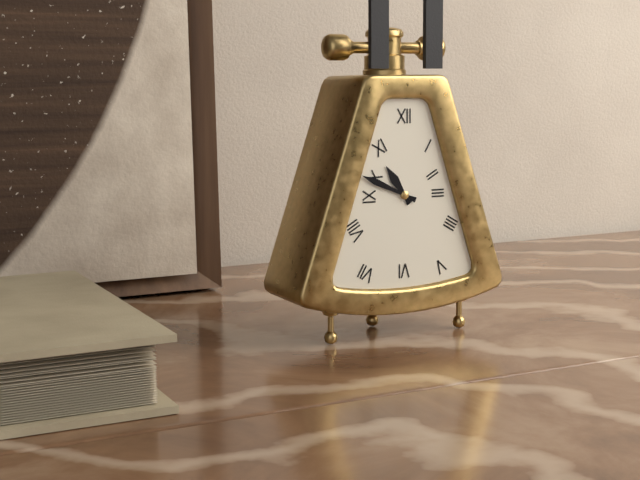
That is h=10 m=49
